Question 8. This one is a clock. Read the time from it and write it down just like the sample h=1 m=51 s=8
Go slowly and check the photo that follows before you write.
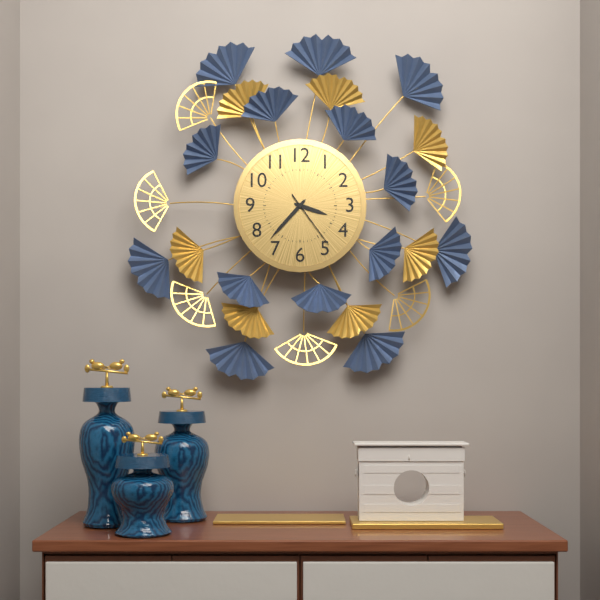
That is h=3 m=37 s=24
